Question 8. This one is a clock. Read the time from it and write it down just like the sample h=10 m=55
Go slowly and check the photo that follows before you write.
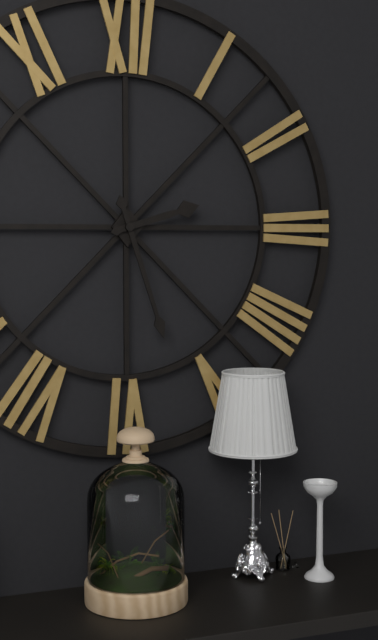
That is h=2 m=27
